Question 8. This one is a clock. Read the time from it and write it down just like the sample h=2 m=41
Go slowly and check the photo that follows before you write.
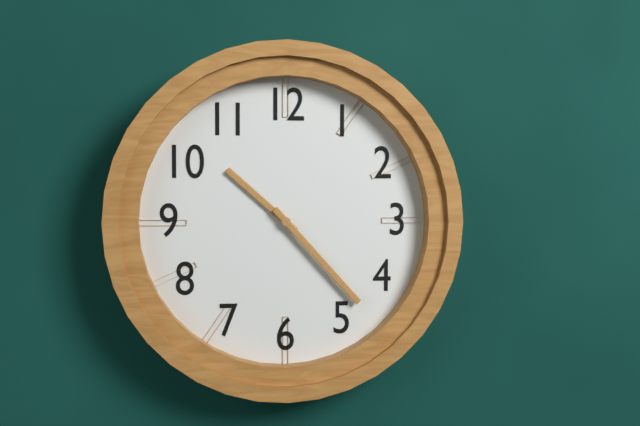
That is h=10 m=23
